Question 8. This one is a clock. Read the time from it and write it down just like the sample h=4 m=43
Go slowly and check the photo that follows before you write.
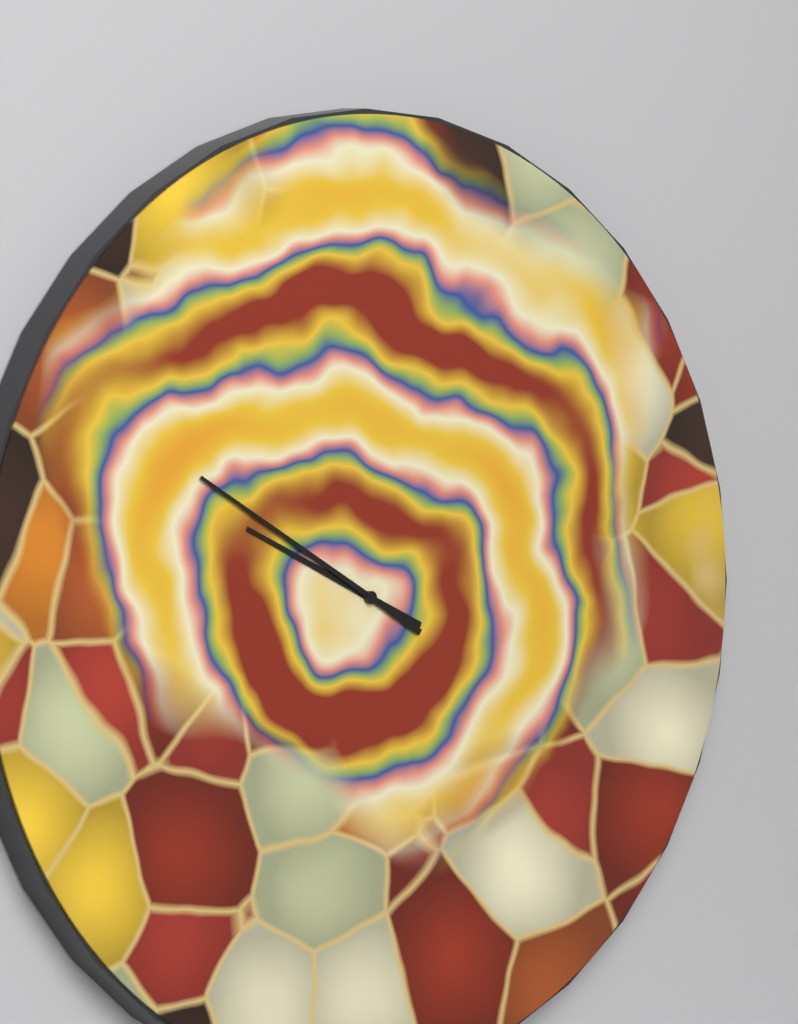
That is h=9 m=50
